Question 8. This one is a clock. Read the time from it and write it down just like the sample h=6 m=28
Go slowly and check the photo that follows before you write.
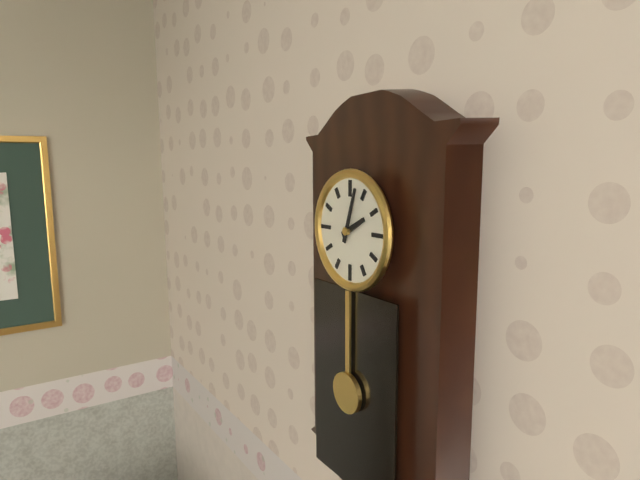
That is h=2 m=3
